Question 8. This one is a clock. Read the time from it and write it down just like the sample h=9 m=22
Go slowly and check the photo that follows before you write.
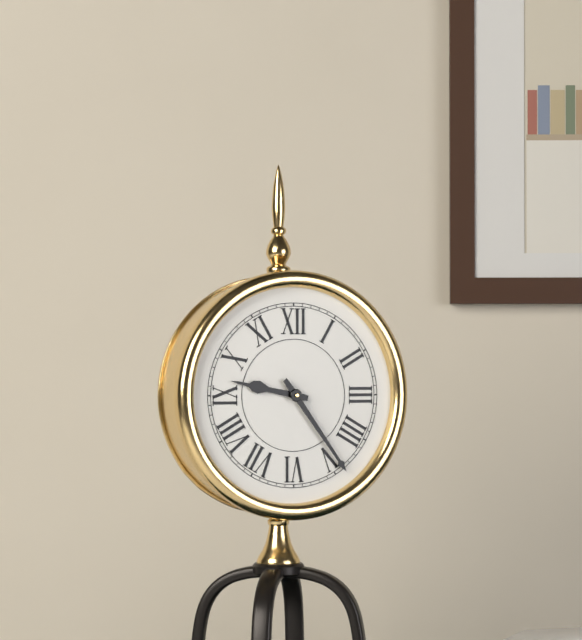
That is h=9 m=24
